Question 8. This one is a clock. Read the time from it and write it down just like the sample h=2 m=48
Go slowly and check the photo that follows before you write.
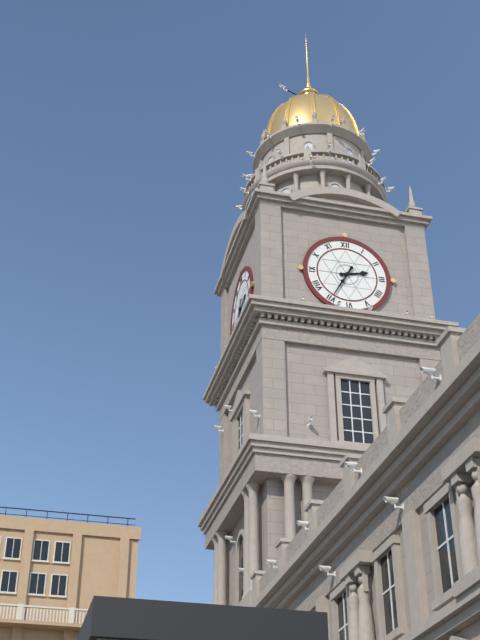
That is h=2 m=35
